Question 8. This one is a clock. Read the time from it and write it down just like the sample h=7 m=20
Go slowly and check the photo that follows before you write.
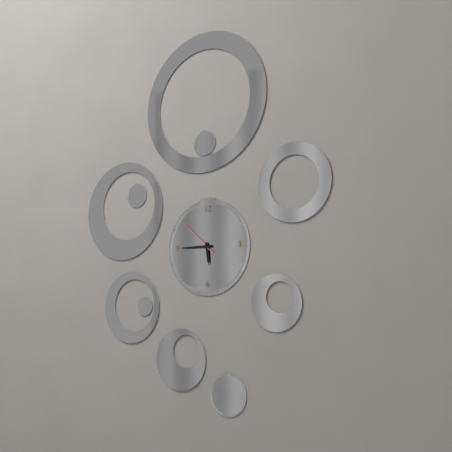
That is h=5 m=45
